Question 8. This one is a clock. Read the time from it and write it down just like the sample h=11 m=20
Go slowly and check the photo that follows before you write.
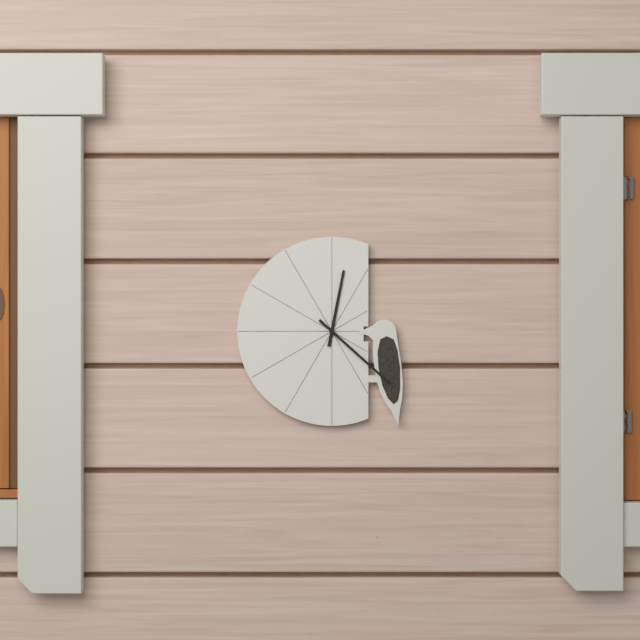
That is h=12 m=22
